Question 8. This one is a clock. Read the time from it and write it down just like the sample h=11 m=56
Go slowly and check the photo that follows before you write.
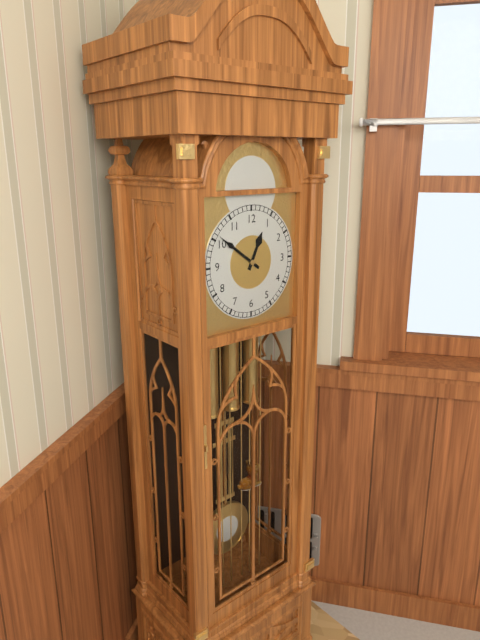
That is h=12 m=51
